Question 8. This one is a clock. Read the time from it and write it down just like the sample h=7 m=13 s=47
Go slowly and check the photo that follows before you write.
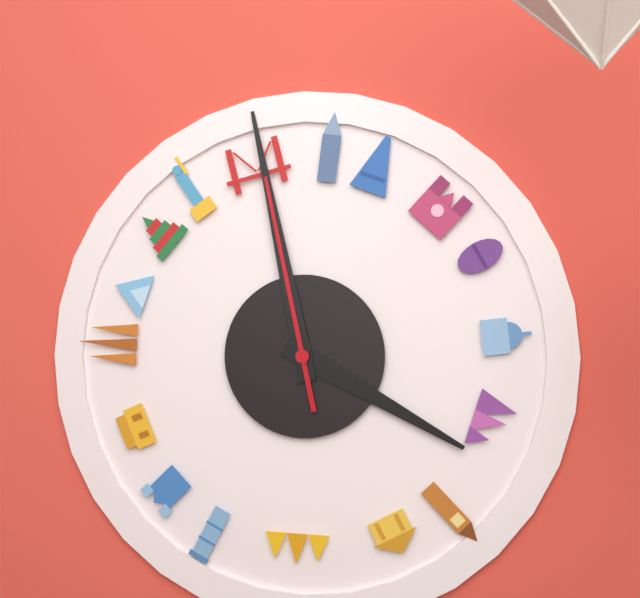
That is h=3 m=58 s=58
